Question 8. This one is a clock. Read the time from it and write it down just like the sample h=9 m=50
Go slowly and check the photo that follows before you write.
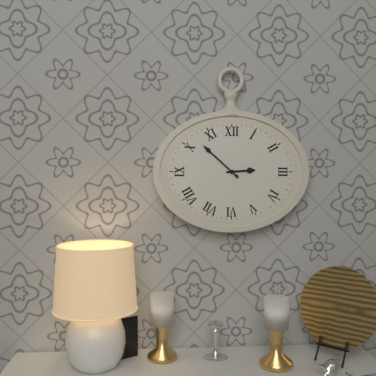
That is h=2 m=52
